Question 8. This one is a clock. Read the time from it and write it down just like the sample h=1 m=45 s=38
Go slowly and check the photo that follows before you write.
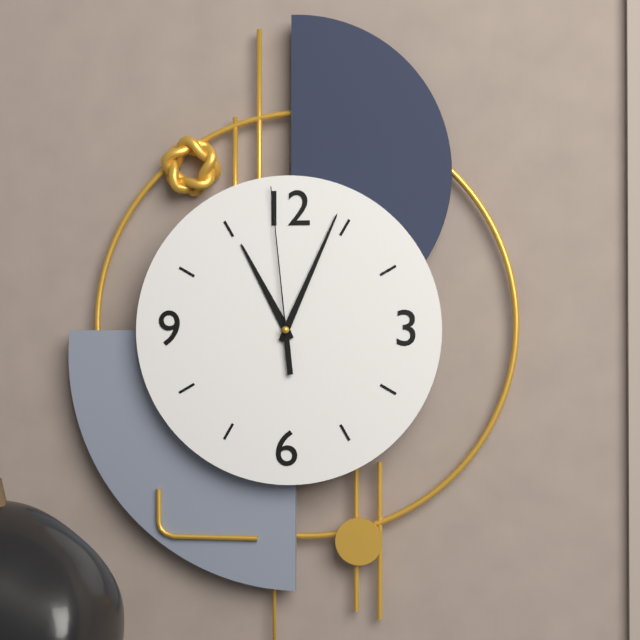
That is h=11 m=4 s=59
